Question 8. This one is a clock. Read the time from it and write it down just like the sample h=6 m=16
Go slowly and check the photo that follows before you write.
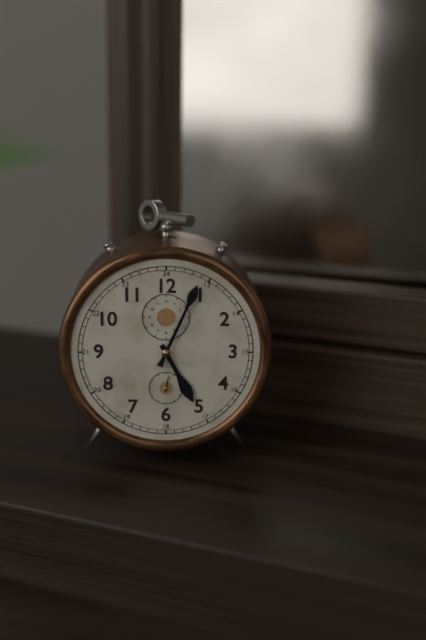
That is h=5 m=4
